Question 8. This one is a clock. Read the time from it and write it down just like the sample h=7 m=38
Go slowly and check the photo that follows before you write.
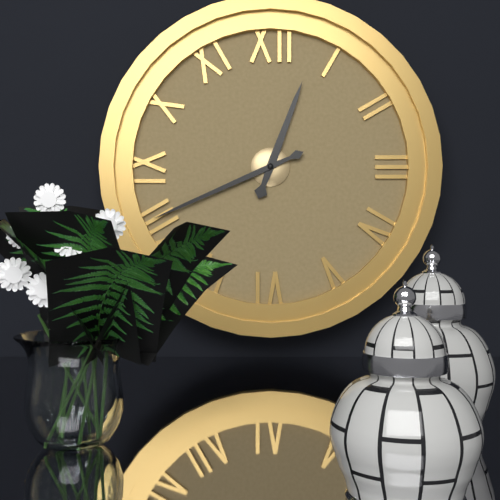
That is h=12 m=41
